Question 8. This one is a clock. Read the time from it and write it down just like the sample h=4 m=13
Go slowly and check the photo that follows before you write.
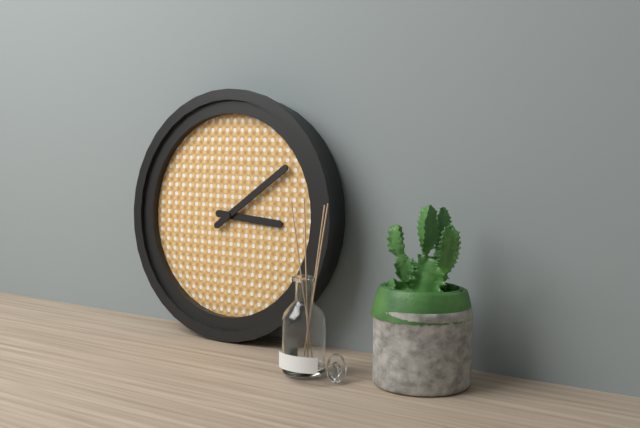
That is h=3 m=9
